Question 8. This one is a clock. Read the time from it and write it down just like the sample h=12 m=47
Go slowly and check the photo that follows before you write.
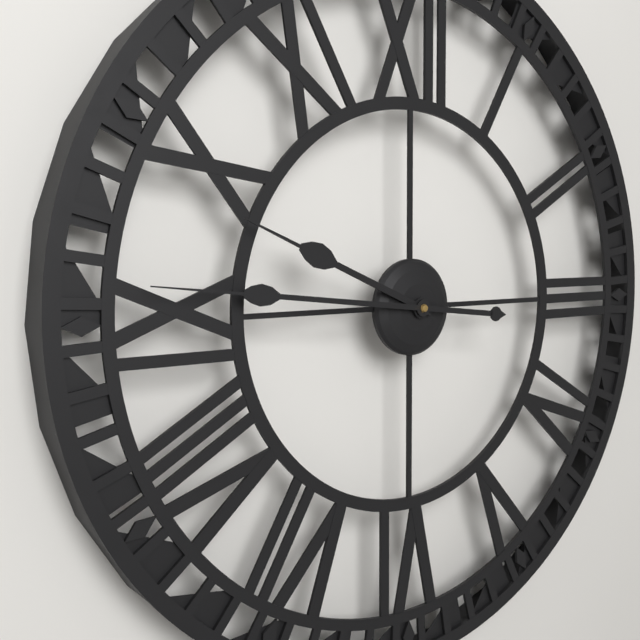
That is h=9 m=46
